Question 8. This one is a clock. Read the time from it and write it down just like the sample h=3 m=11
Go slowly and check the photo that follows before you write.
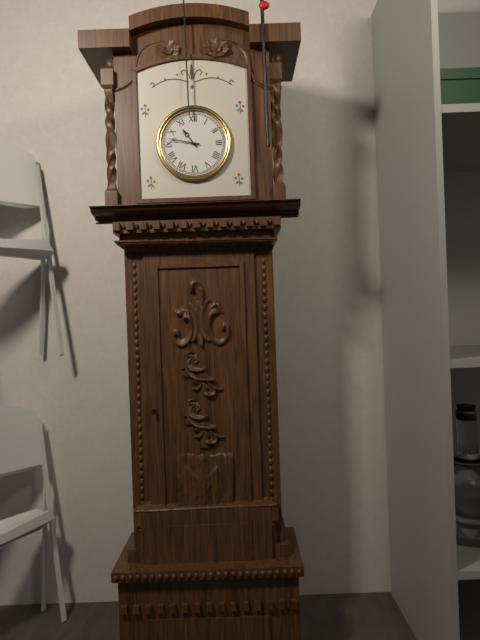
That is h=10 m=47
